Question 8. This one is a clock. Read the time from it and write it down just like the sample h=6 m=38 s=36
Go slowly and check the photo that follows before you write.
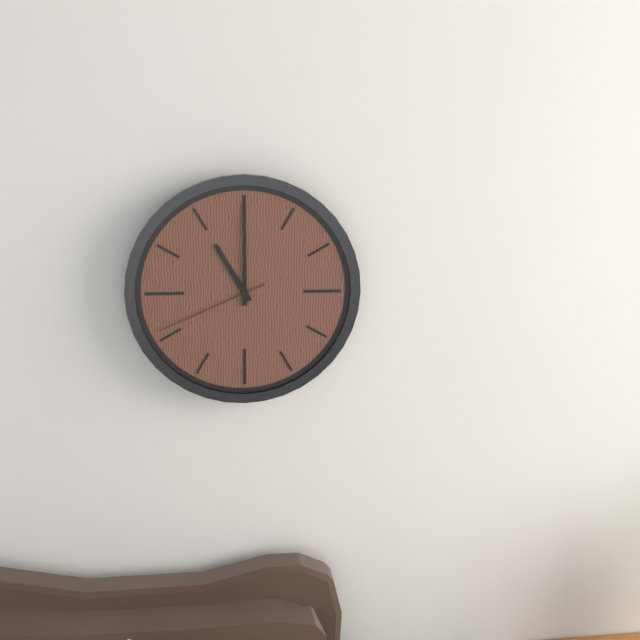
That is h=11 m=0 s=41
